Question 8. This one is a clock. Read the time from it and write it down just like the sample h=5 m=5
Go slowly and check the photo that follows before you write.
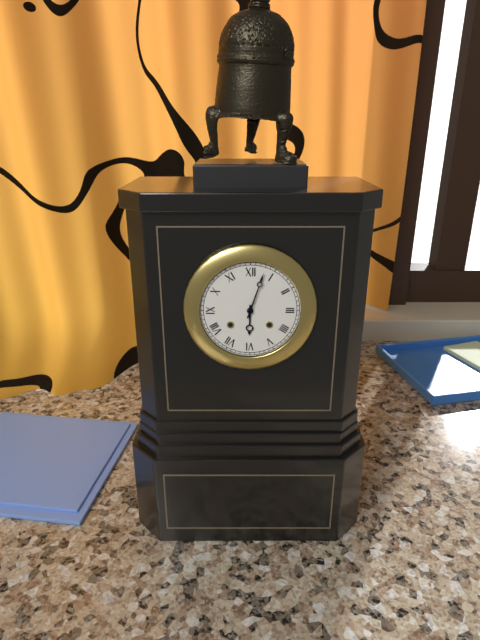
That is h=6 m=3
